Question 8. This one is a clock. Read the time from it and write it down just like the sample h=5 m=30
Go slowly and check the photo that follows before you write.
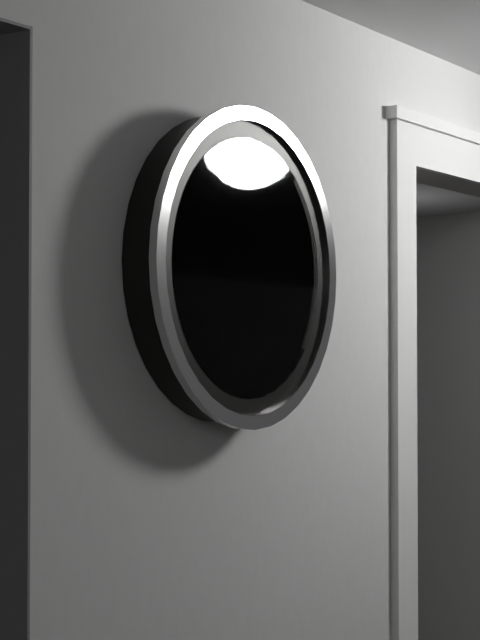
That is h=6 m=51
